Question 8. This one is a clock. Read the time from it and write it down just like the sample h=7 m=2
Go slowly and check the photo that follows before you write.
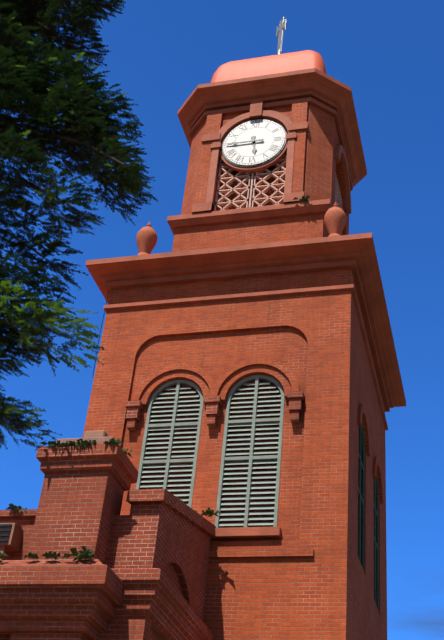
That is h=5 m=45
